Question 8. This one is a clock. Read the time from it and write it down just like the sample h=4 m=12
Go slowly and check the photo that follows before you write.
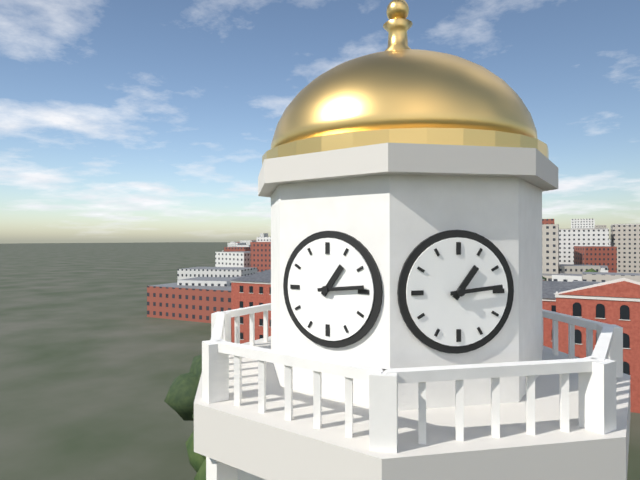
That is h=1 m=14
